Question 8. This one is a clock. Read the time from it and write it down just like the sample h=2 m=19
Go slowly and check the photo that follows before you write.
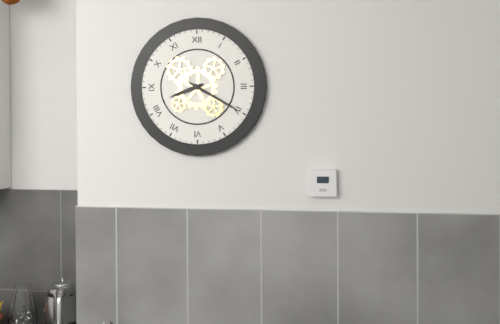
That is h=8 m=20
